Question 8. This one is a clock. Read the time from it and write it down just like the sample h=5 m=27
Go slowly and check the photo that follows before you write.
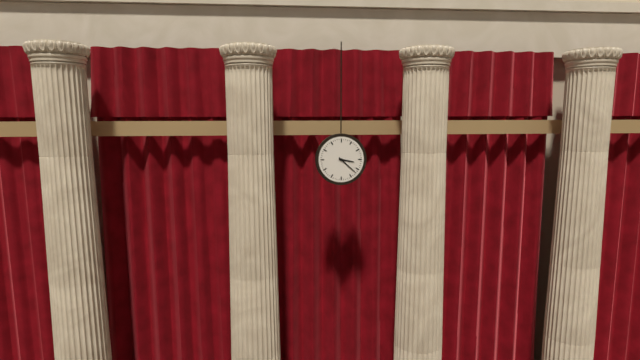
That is h=3 m=22
